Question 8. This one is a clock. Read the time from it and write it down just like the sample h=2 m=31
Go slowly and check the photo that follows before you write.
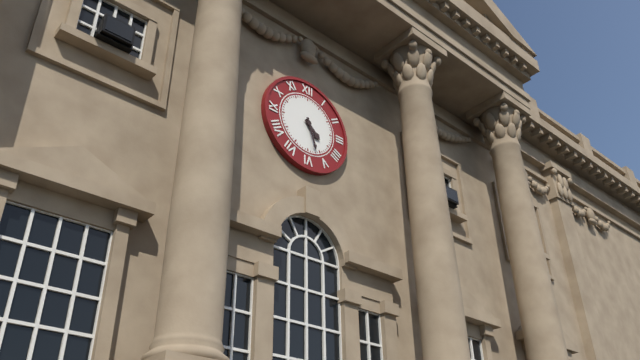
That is h=4 m=27
